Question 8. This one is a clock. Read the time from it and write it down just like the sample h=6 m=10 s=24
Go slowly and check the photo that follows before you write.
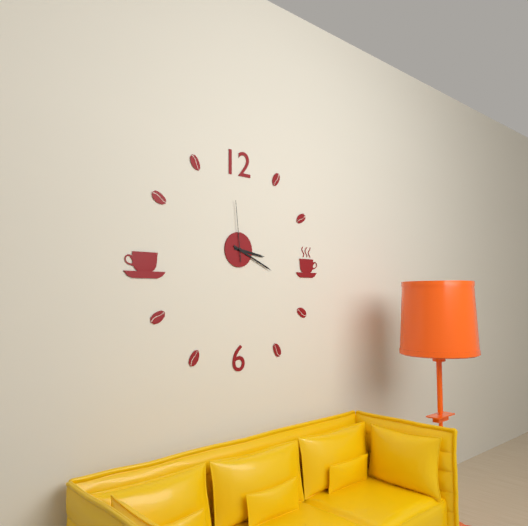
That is h=3 m=19 s=59
